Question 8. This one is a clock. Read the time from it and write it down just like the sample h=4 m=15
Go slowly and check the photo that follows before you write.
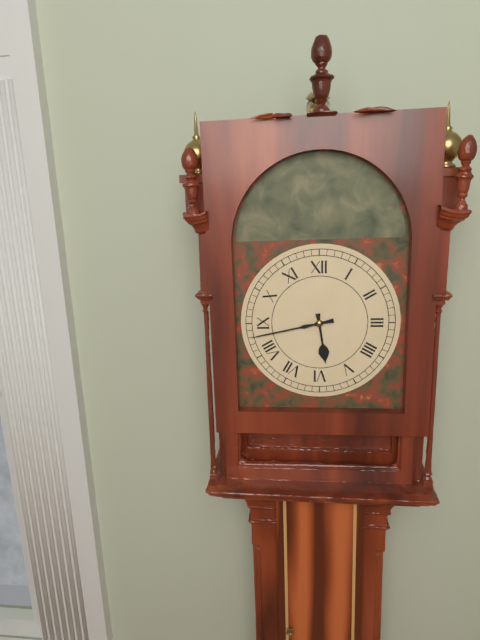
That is h=5 m=43
